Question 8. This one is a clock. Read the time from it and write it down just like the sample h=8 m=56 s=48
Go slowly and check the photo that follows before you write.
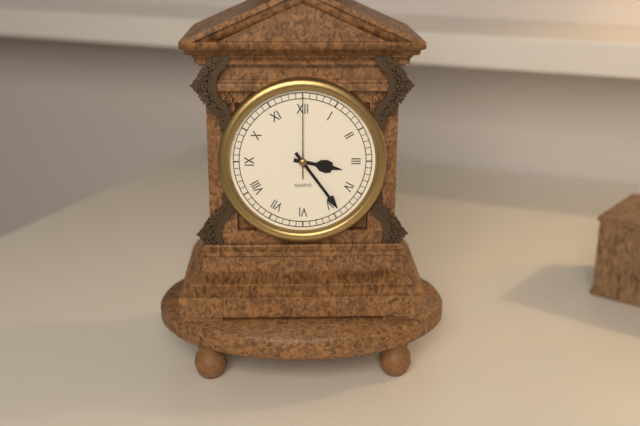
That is h=3 m=24 s=0
